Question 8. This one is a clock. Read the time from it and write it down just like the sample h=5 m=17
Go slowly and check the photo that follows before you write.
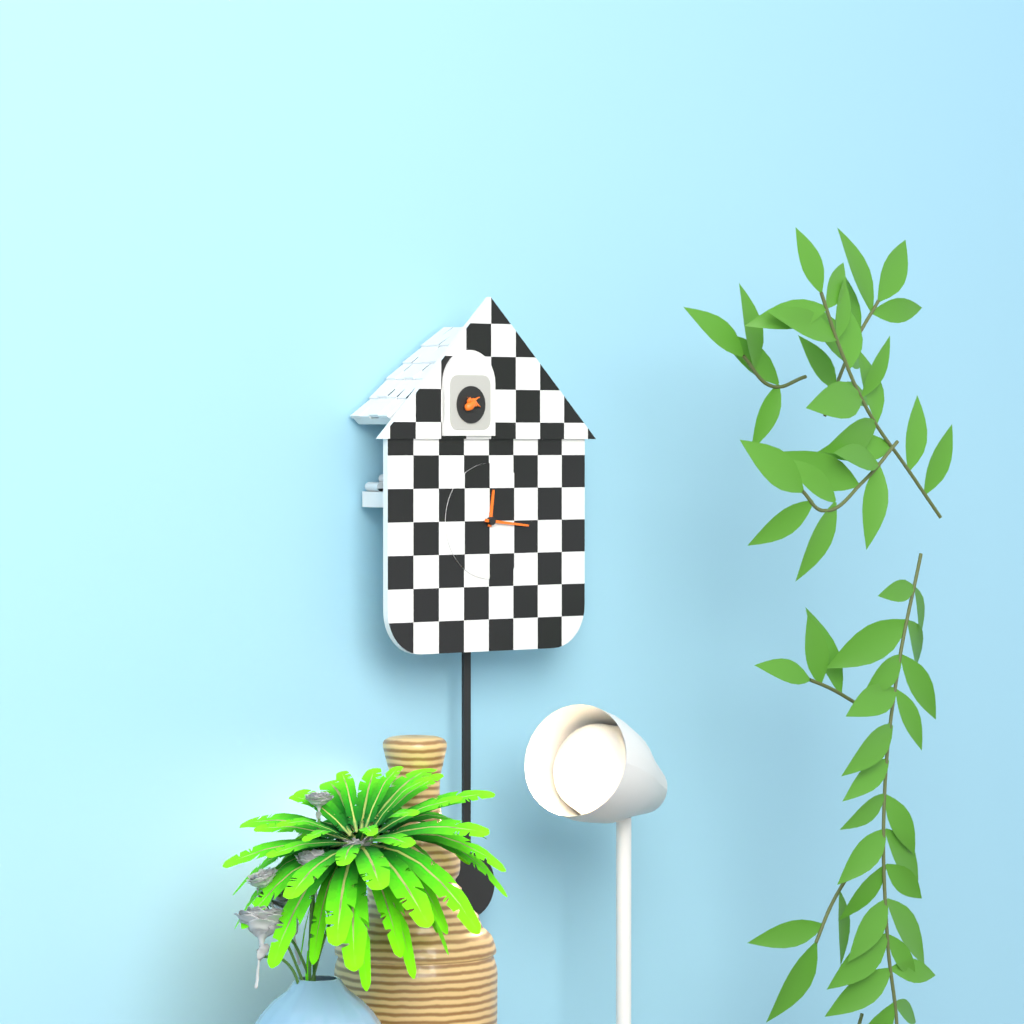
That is h=12 m=16
